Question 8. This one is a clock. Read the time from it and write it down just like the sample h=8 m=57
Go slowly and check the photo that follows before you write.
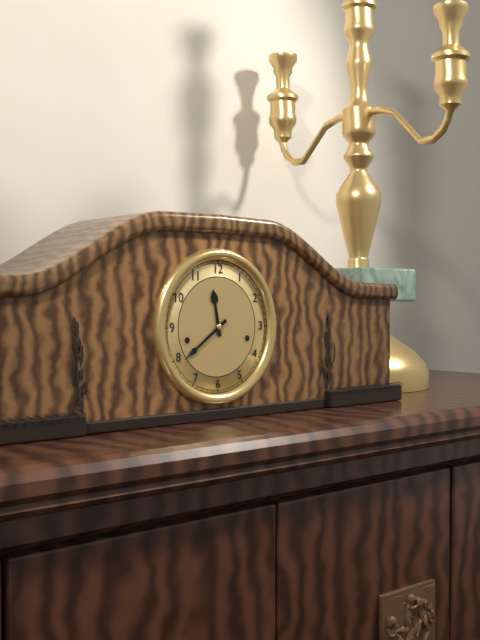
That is h=11 m=39
